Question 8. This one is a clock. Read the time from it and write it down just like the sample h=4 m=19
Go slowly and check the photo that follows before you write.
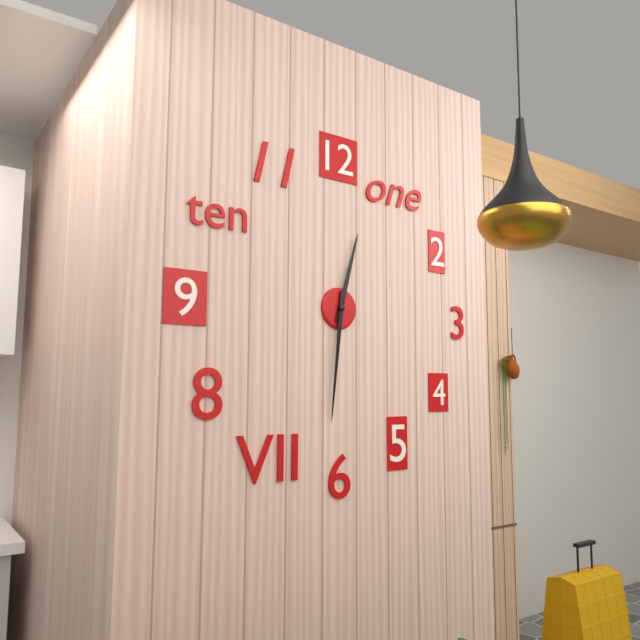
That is h=12 m=31
